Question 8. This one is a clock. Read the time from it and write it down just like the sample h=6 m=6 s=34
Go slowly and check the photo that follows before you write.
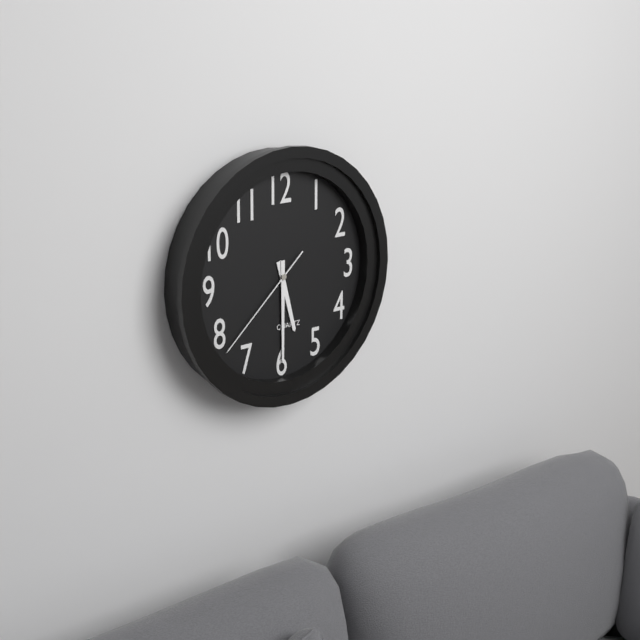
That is h=5 m=30 s=38
